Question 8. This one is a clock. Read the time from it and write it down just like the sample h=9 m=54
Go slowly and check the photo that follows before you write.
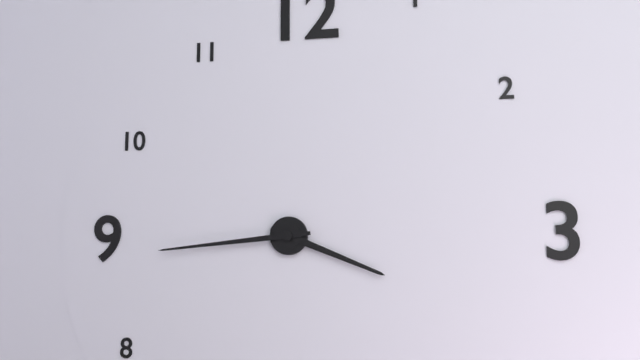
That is h=3 m=44
